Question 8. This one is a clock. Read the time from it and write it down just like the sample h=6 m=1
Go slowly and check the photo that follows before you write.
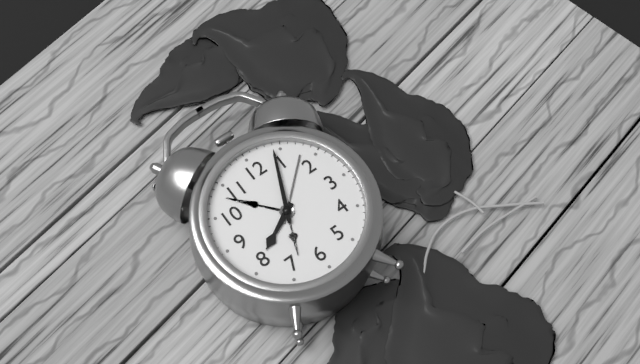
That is h=8 m=4
